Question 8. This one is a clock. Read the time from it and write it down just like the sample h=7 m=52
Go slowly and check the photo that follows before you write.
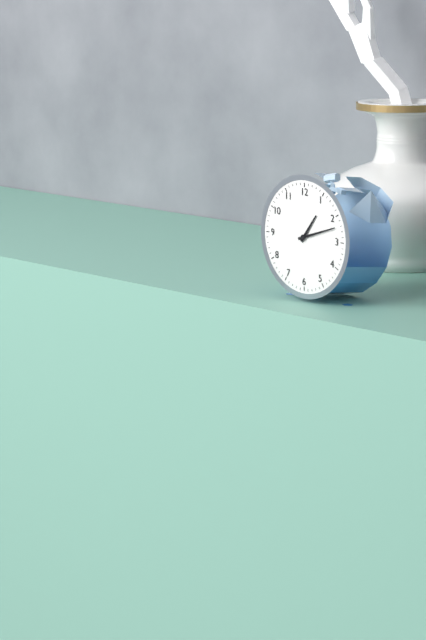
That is h=1 m=12
